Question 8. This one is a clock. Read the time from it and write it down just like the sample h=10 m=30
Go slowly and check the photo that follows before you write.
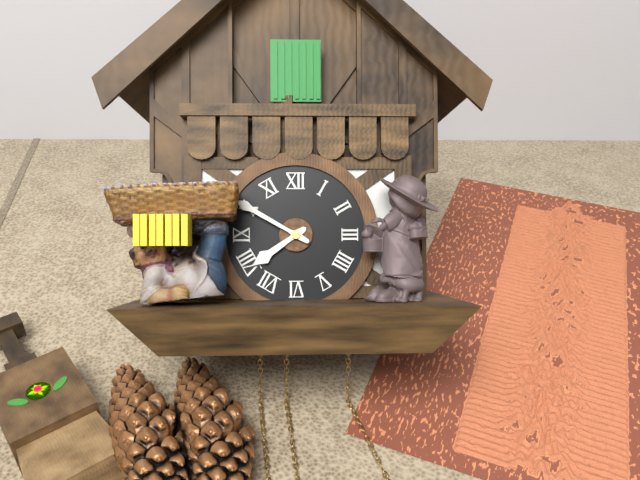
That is h=7 m=50
